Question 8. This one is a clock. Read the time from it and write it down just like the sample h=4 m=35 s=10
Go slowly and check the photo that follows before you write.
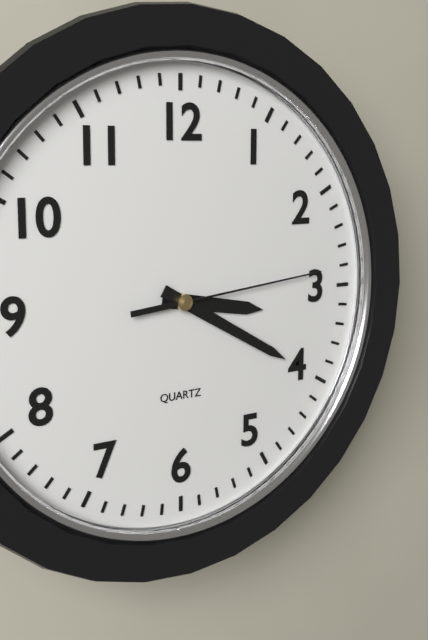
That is h=3 m=20 s=14
